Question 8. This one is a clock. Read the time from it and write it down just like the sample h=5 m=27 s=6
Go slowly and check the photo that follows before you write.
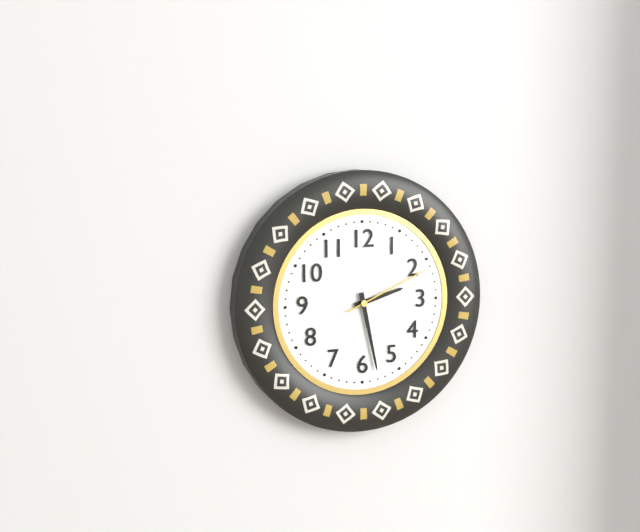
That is h=2 m=28 s=11
